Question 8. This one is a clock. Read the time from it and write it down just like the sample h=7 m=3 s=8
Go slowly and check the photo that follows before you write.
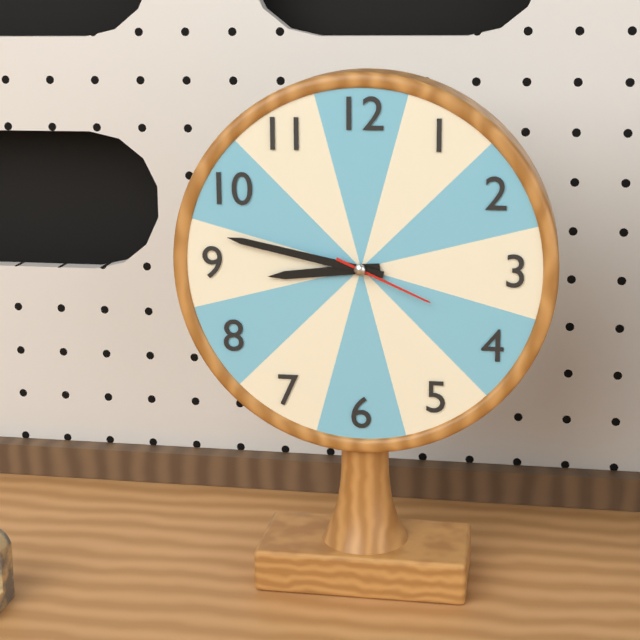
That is h=8 m=47 s=19
